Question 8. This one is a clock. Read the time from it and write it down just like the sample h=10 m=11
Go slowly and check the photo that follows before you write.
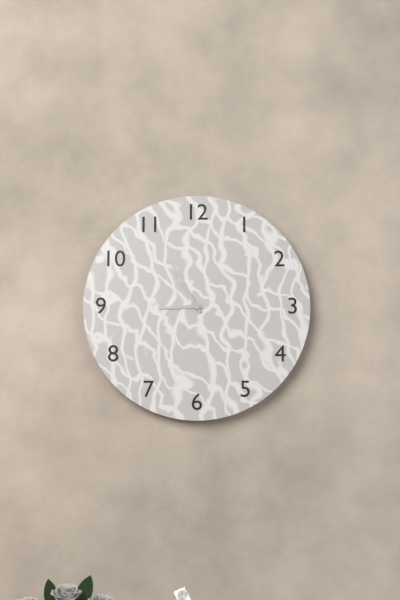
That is h=8 m=55
